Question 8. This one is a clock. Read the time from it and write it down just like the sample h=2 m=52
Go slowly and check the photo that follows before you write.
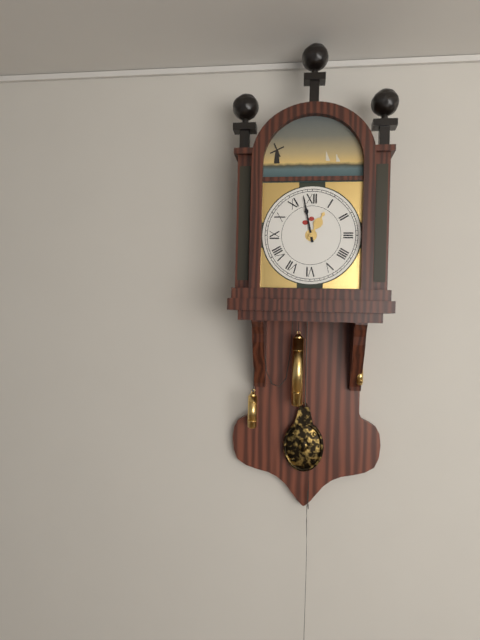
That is h=12 m=58
